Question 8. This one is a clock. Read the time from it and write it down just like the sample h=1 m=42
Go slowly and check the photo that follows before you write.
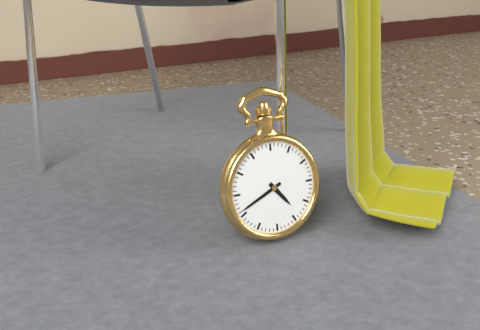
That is h=4 m=41
